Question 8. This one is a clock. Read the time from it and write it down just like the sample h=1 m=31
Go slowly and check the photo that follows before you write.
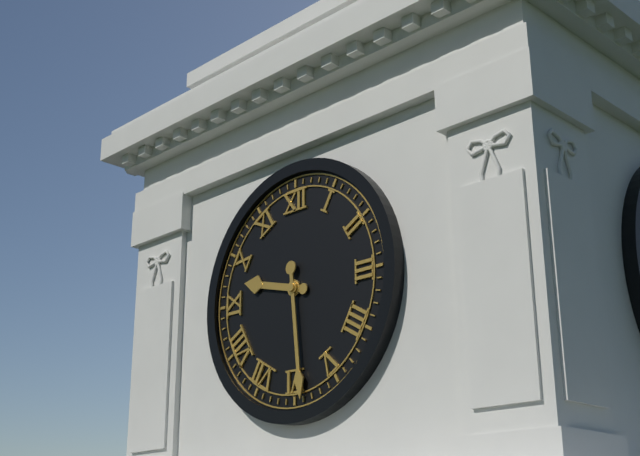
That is h=9 m=29
